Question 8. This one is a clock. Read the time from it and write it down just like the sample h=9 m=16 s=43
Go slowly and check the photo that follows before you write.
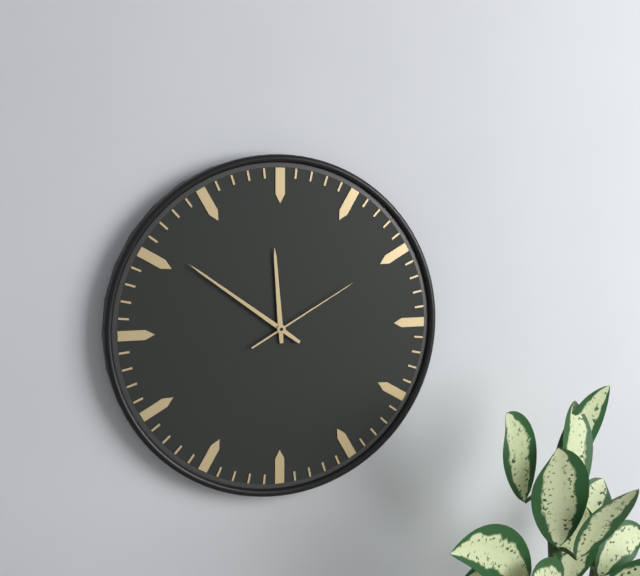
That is h=11 m=51 s=10
